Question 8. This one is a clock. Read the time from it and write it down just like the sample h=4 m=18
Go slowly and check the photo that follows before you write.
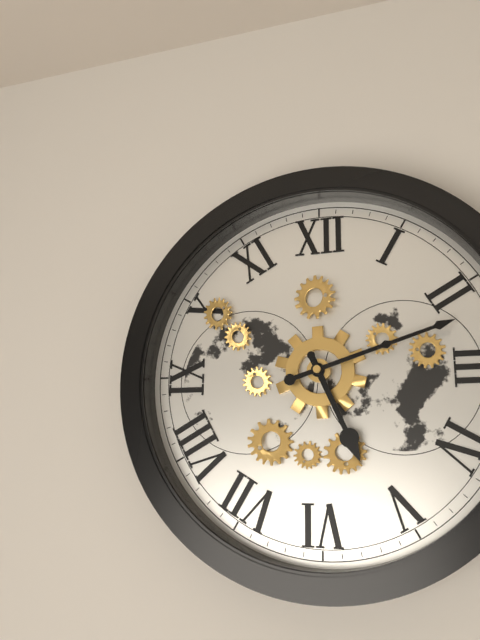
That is h=5 m=12
